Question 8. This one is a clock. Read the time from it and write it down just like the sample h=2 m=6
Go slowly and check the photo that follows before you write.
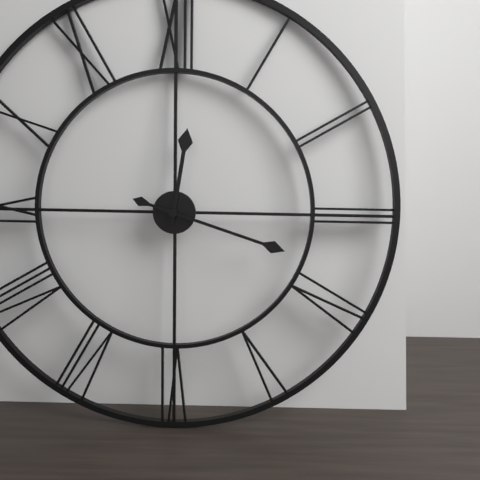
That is h=12 m=18
